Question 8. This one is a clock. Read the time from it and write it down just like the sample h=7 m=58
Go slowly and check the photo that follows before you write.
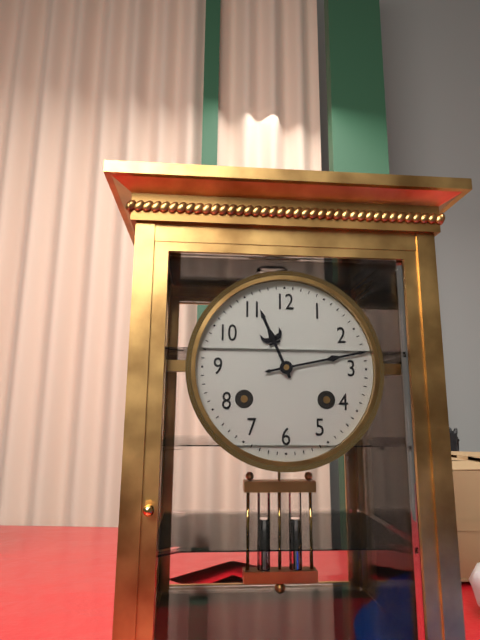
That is h=11 m=13
